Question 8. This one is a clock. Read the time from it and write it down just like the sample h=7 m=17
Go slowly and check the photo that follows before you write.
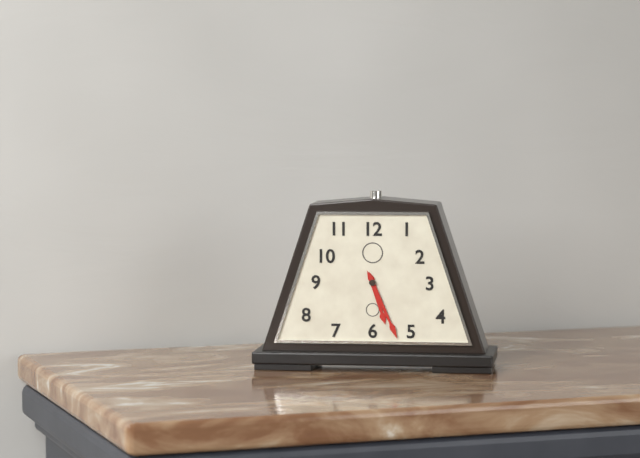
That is h=5 m=26
